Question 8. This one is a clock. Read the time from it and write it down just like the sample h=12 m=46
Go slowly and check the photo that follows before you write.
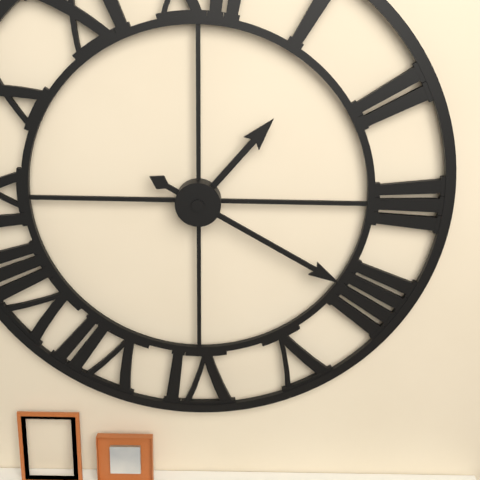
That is h=1 m=20
